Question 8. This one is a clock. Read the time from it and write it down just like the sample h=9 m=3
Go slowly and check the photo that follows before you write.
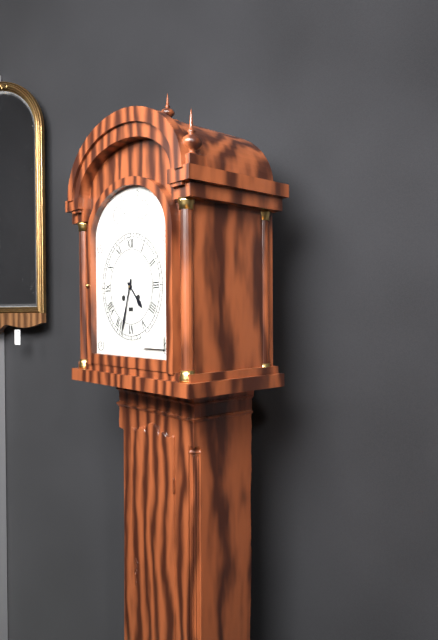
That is h=4 m=33
